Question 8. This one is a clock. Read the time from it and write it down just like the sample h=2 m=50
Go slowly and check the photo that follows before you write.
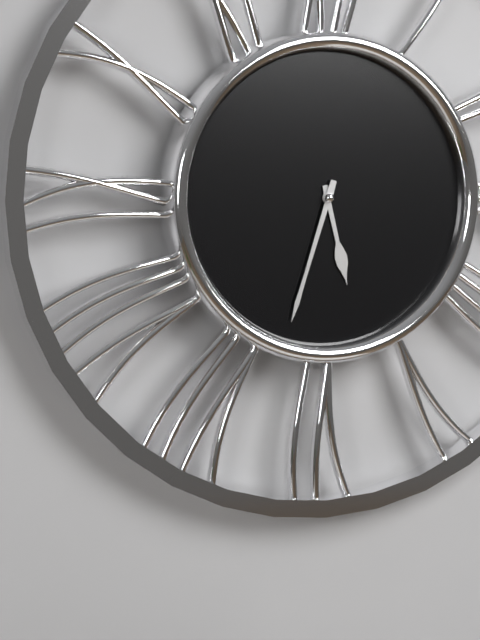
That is h=5 m=33
